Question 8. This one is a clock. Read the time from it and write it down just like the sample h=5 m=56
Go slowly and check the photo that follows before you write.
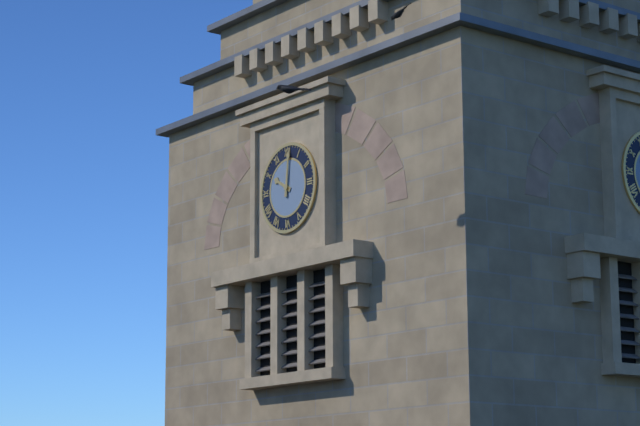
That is h=10 m=1
